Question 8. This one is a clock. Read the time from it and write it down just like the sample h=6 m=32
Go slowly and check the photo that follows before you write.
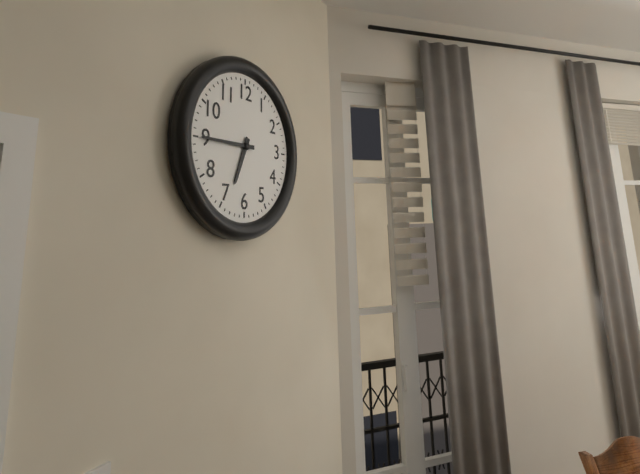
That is h=6 m=45
